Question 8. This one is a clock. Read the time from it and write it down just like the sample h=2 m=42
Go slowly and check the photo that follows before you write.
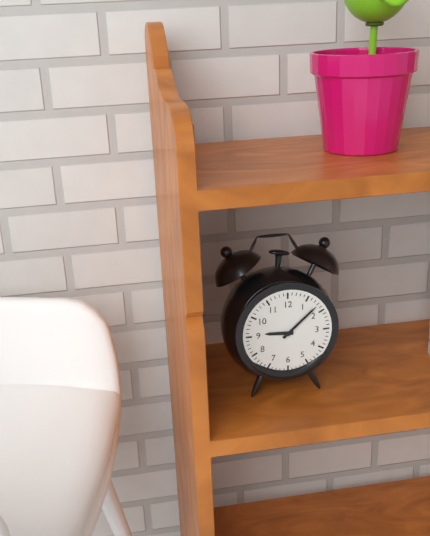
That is h=9 m=8
